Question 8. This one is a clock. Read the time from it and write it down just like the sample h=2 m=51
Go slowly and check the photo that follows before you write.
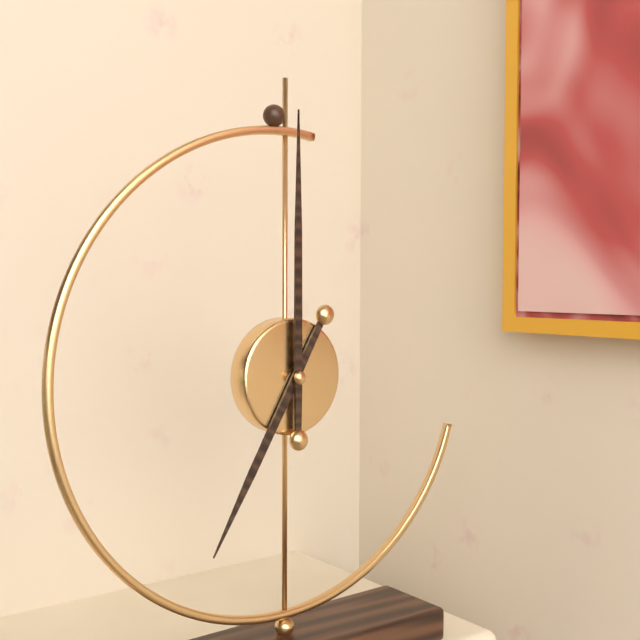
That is h=7 m=0
